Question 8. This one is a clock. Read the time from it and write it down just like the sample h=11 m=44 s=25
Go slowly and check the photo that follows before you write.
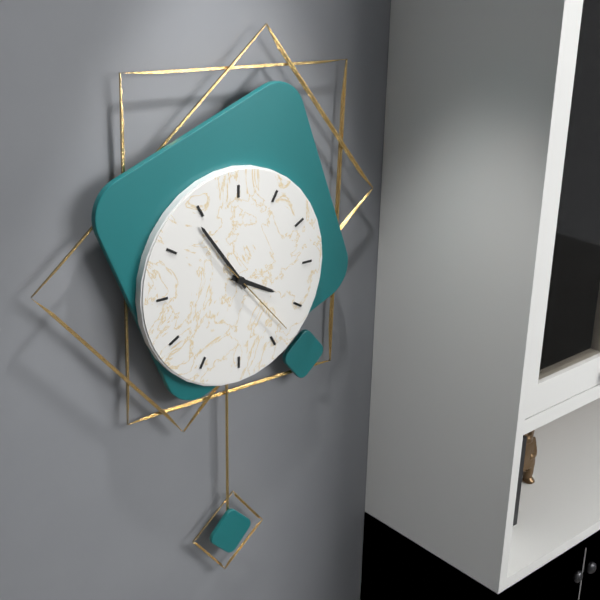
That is h=3 m=54 s=23
